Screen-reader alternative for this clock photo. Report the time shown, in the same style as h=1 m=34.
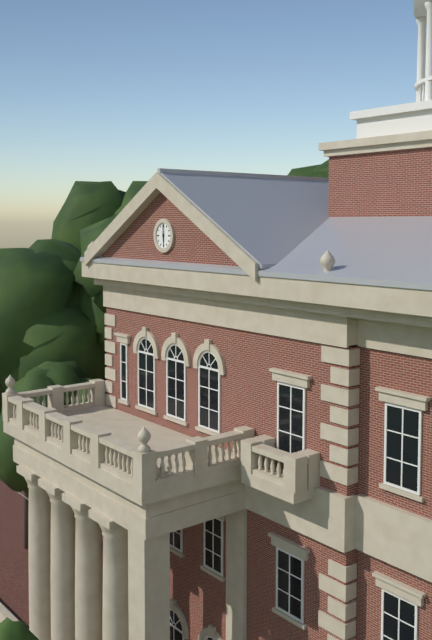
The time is h=6 m=0
